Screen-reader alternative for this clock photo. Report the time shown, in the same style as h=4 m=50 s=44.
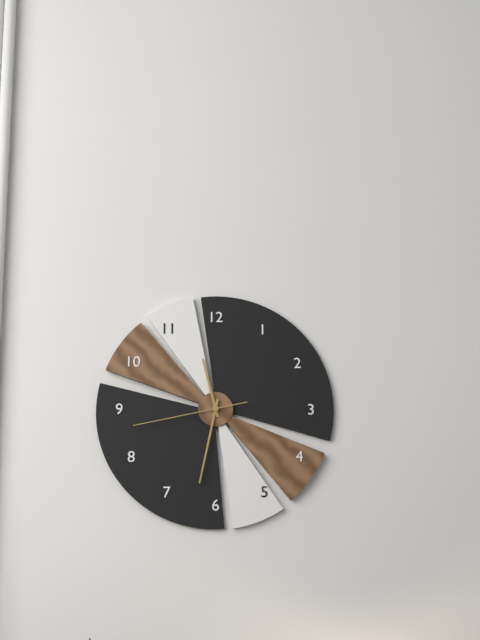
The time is h=11 m=32 s=43
